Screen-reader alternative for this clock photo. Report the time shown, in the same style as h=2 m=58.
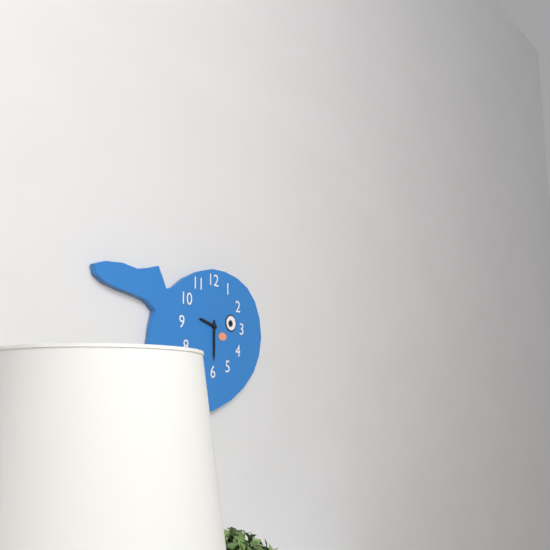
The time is h=9 m=30
